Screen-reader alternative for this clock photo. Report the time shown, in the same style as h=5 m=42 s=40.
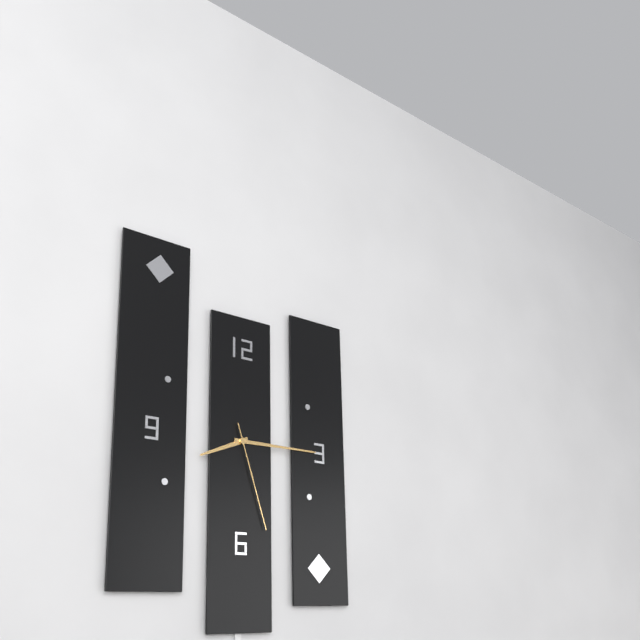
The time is h=8 m=15 s=27
